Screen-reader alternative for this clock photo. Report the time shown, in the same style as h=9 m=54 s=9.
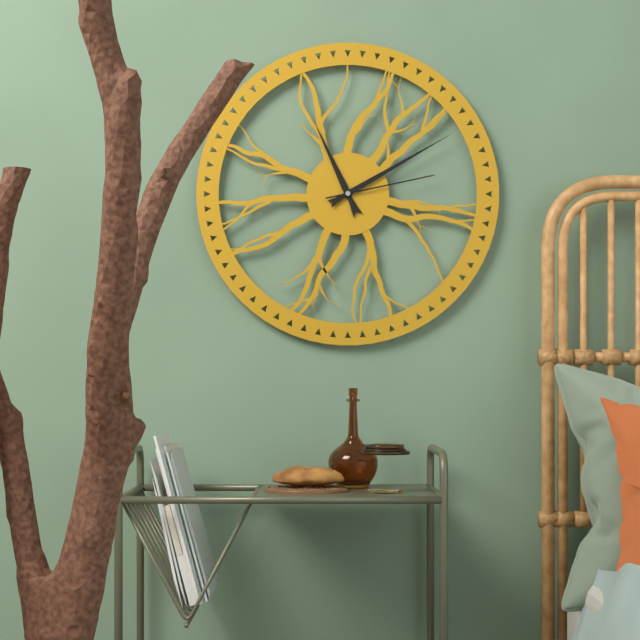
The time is h=11 m=10 s=13
